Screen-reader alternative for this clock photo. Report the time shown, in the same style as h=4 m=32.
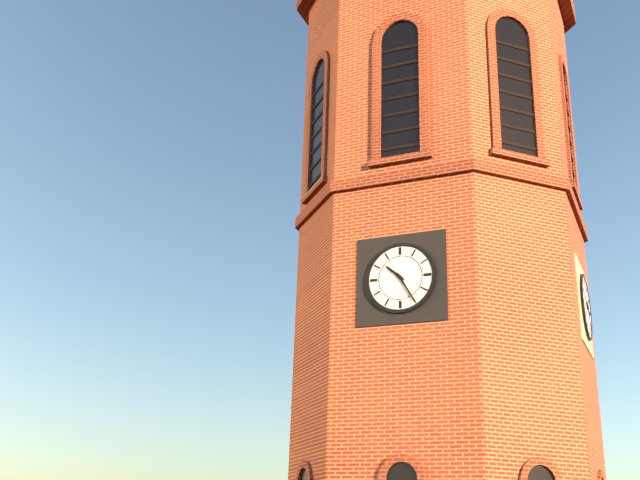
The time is h=10 m=25
